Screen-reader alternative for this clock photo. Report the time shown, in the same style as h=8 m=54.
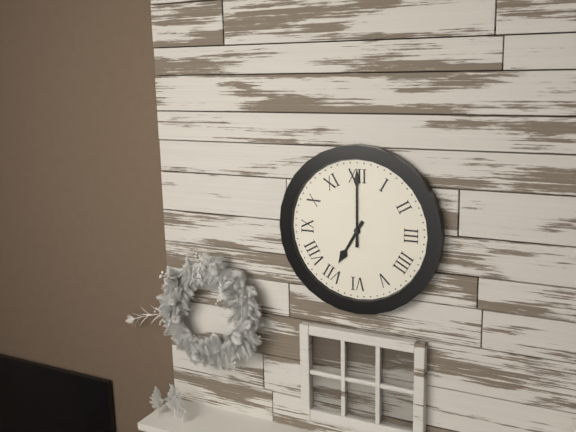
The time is h=7 m=0
